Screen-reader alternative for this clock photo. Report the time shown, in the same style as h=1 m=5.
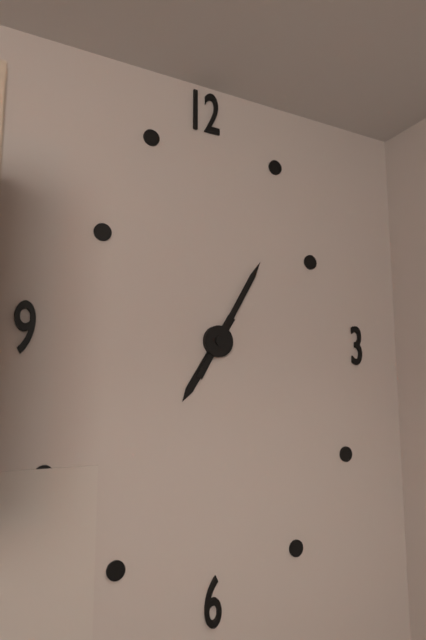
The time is h=7 m=5
